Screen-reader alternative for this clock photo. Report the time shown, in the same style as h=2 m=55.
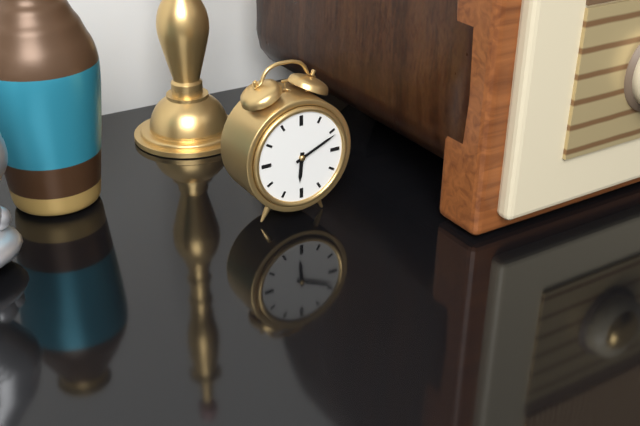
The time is h=6 m=11
